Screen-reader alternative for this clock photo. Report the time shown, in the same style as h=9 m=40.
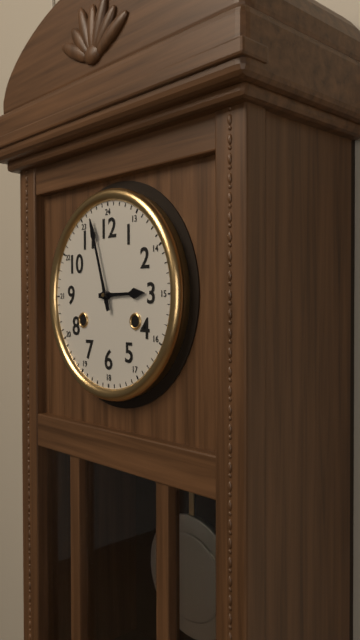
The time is h=2 m=57
